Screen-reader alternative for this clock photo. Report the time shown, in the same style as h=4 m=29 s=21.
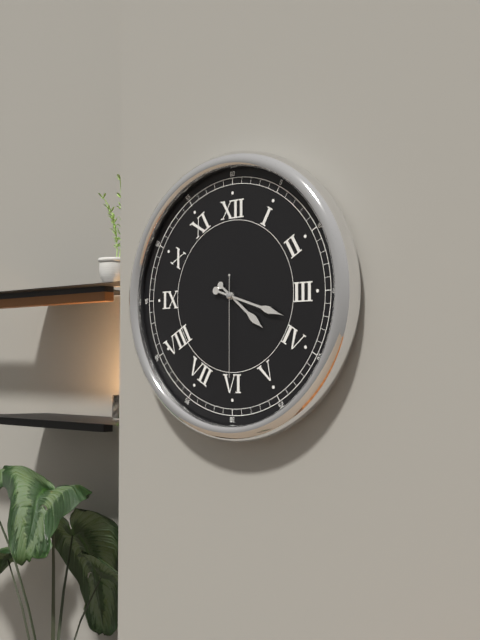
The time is h=4 m=18 s=30
